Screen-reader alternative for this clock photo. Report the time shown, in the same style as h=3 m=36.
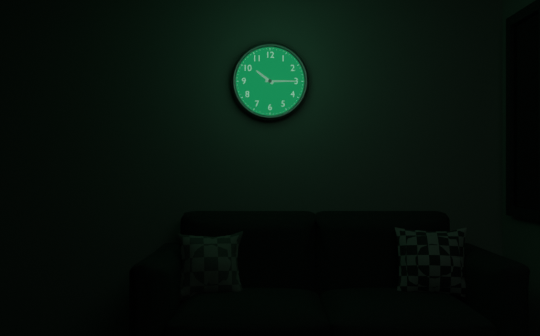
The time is h=10 m=15
